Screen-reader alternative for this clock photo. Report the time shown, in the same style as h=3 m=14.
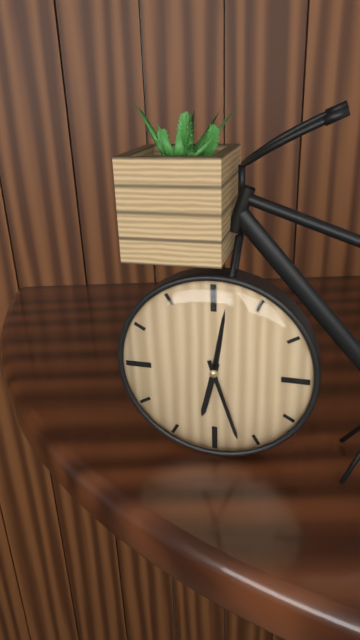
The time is h=6 m=27
